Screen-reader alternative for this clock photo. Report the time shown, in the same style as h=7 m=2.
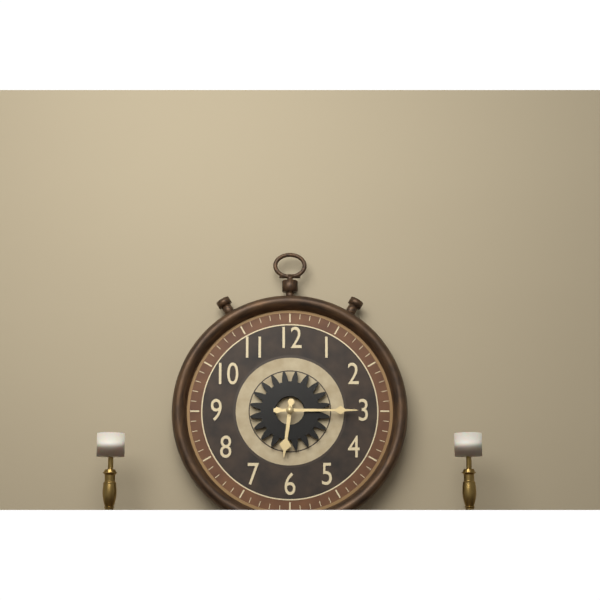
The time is h=6 m=15
